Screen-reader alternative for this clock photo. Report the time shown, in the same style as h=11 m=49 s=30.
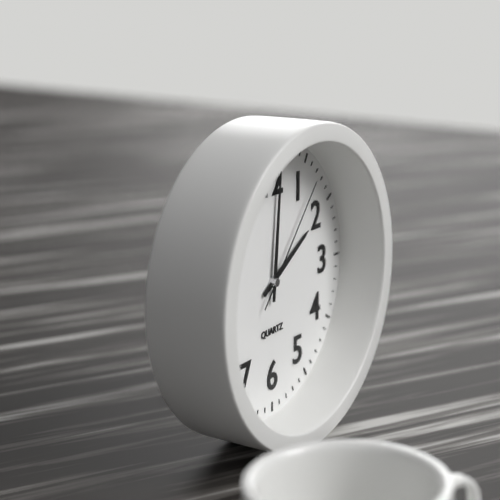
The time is h=2 m=1 s=7
